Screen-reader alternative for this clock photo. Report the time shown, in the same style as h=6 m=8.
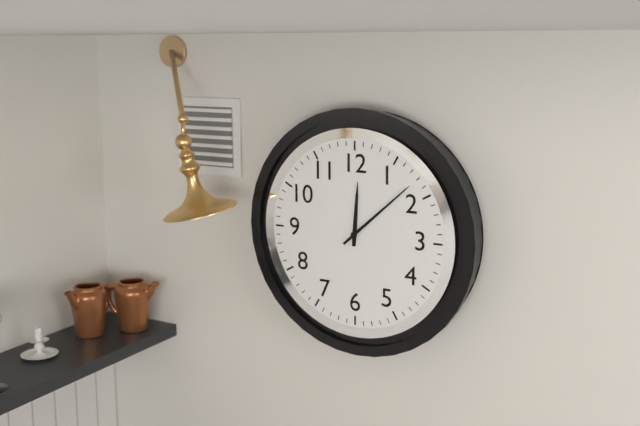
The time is h=12 m=8
